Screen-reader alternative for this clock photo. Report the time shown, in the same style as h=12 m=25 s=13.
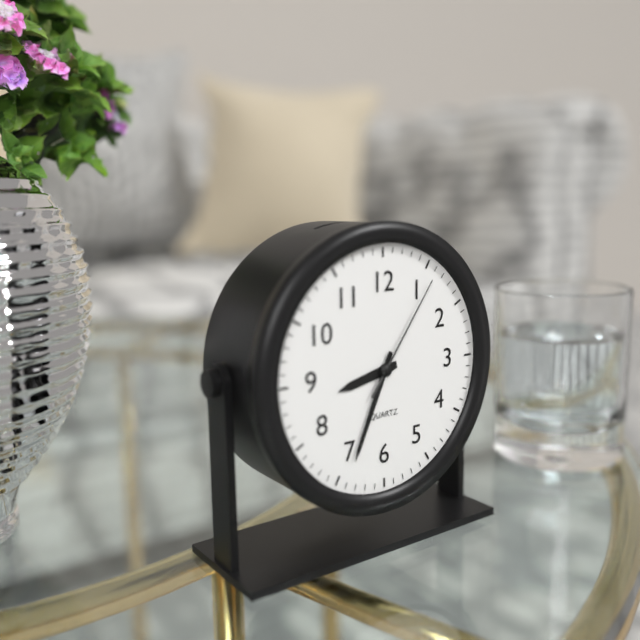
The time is h=8 m=34 s=6
